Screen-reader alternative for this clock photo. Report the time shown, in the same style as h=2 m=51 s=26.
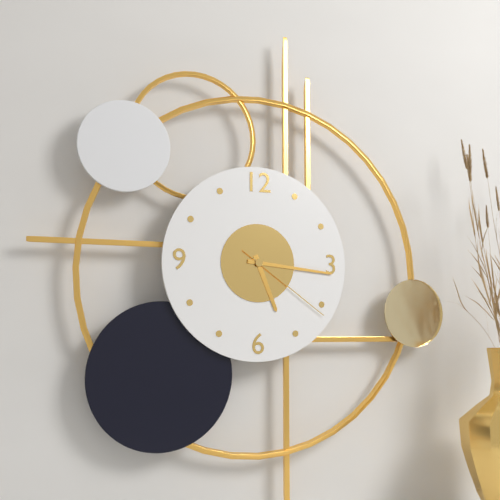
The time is h=5 m=16 s=21
